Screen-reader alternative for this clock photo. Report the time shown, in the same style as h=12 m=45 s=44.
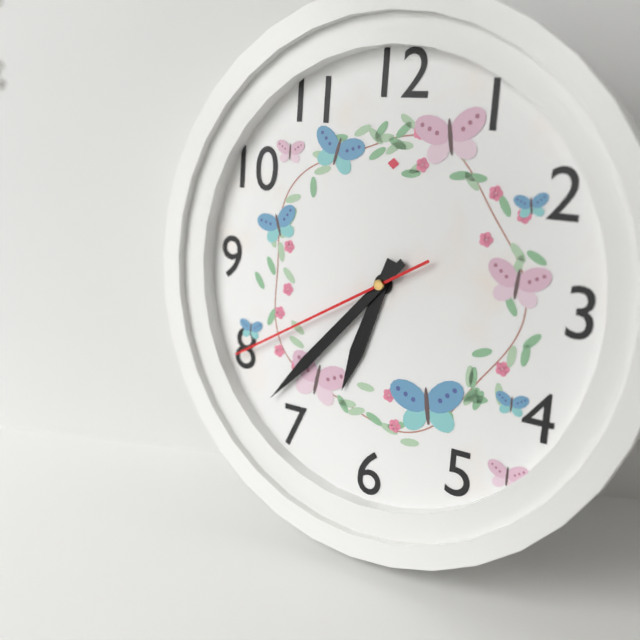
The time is h=6 m=37 s=40
